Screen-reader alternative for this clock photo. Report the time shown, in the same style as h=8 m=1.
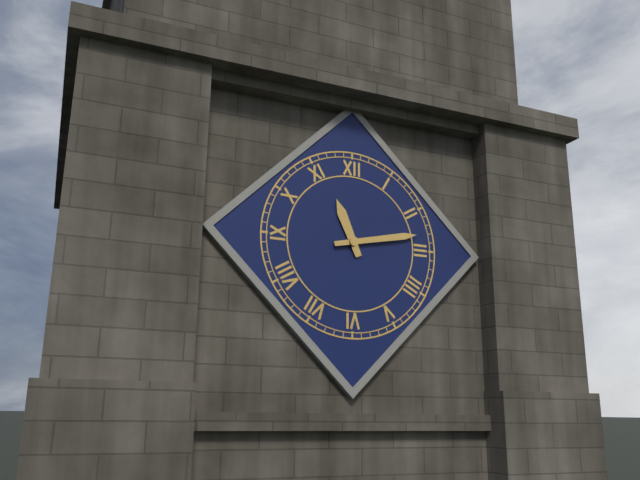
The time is h=11 m=13
